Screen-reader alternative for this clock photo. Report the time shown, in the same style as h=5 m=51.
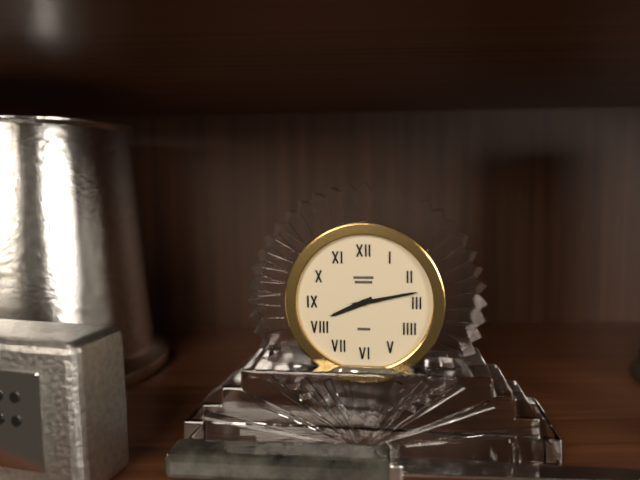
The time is h=8 m=13
